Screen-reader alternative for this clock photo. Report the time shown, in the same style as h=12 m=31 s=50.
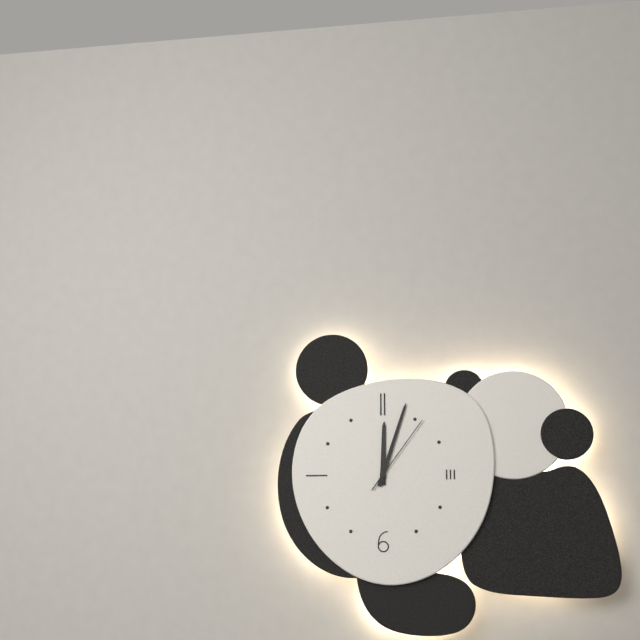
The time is h=12 m=3 s=6
